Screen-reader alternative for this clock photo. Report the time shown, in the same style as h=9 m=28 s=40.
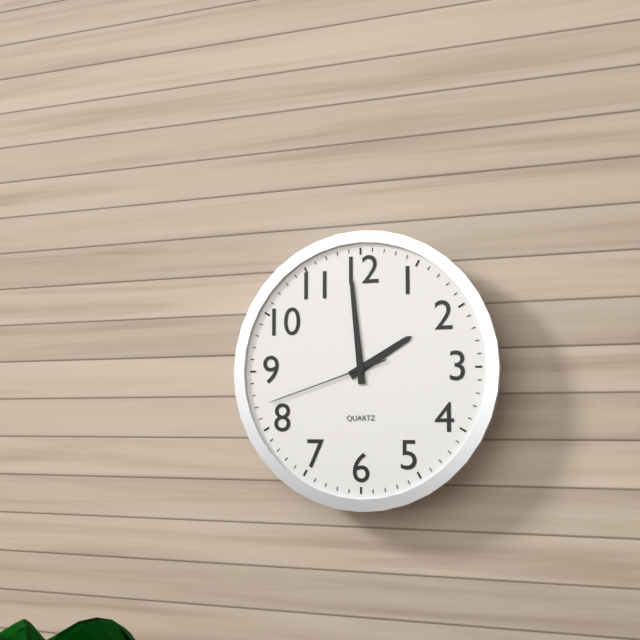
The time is h=1 m=59 s=42
